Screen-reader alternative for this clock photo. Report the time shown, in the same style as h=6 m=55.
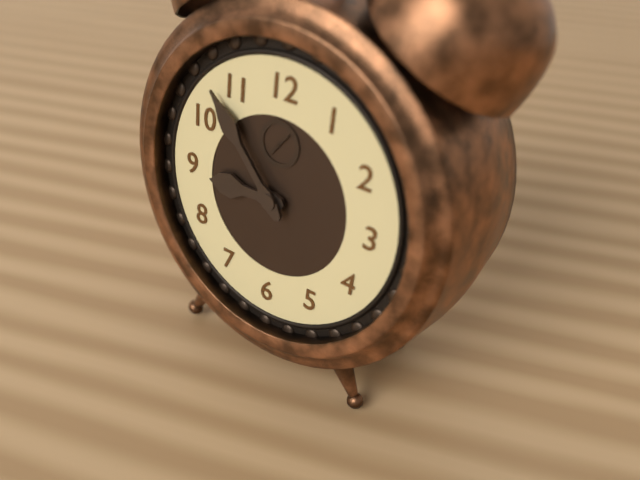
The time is h=8 m=53
